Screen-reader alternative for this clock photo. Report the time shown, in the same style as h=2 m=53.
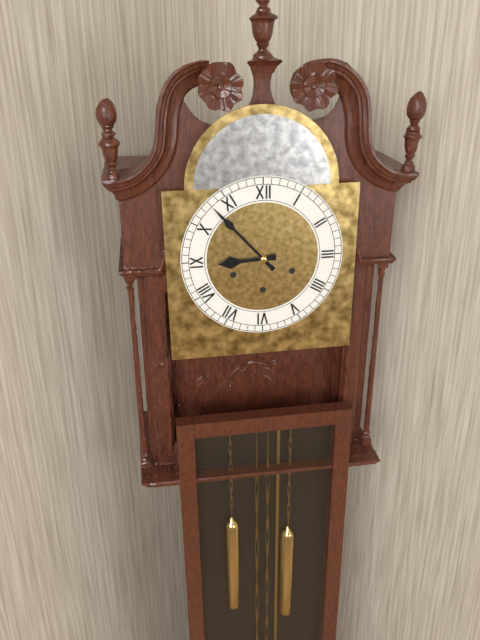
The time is h=8 m=53
